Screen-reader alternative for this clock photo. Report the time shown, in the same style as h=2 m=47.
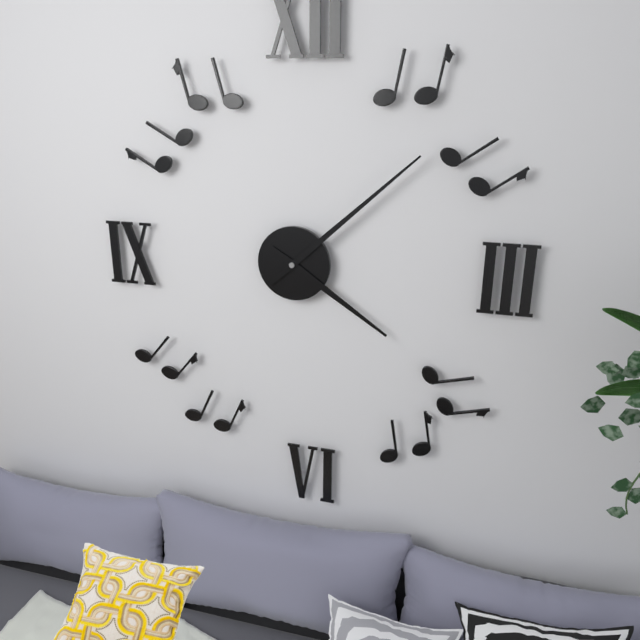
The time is h=4 m=8
